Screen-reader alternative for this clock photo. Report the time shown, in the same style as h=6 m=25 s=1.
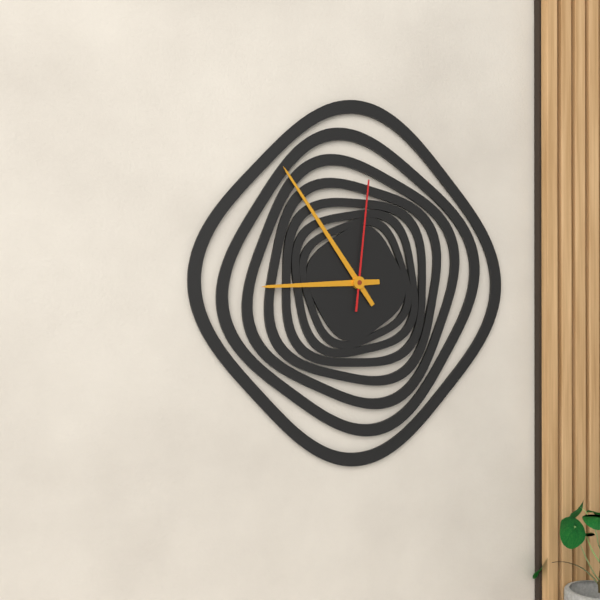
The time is h=8 m=54 s=1
